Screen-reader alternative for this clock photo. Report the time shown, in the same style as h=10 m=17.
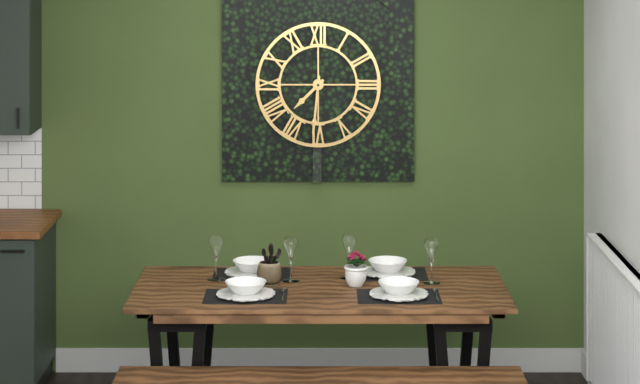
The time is h=7 m=31
